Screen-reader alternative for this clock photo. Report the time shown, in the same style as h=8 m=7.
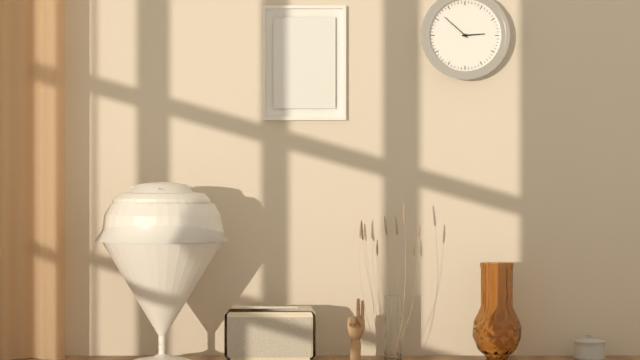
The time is h=2 m=52
